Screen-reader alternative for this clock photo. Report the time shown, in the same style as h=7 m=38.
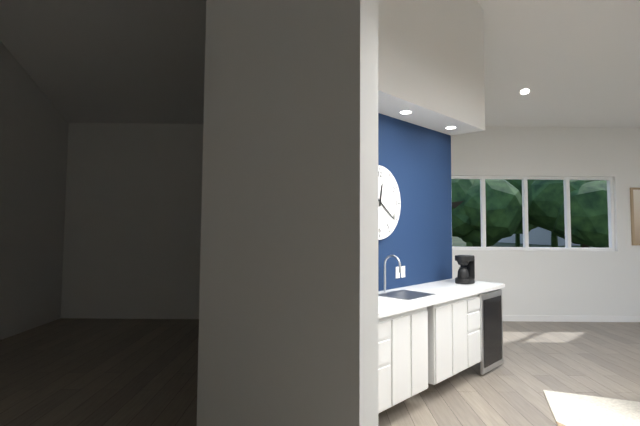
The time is h=12 m=21
